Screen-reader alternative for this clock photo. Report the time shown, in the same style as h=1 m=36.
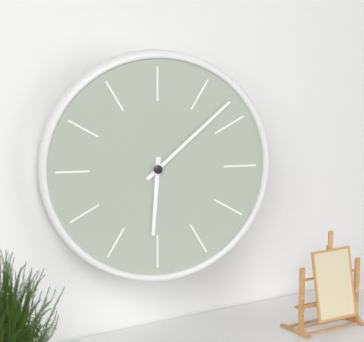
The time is h=6 m=8
